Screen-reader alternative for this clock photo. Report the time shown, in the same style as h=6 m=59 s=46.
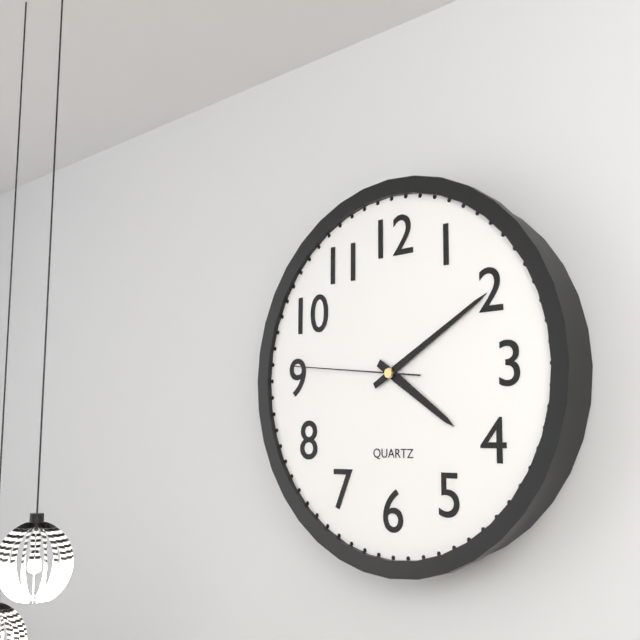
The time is h=4 m=10 s=46
